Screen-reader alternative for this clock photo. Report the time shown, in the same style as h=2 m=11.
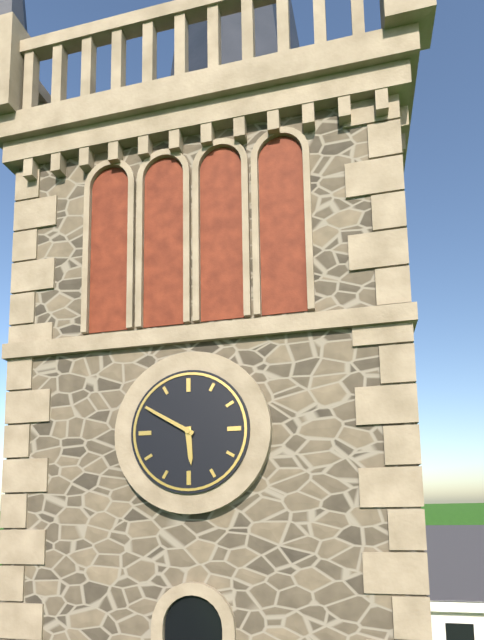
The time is h=5 m=50
